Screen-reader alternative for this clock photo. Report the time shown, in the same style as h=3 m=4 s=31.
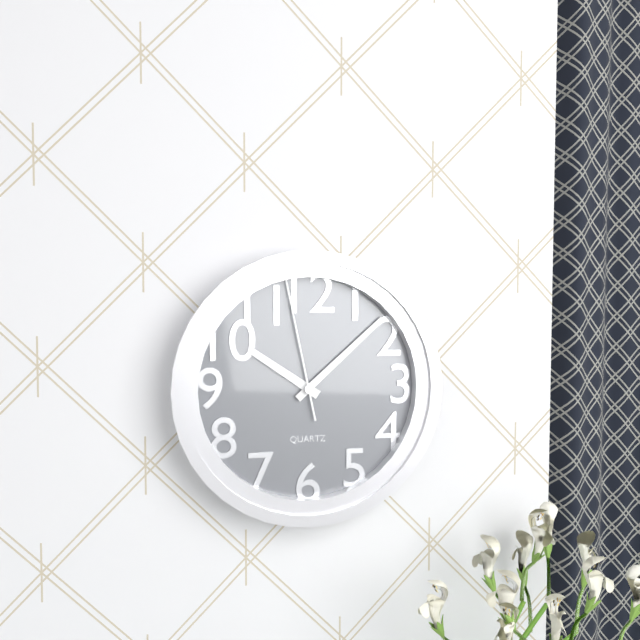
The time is h=10 m=8 s=58
